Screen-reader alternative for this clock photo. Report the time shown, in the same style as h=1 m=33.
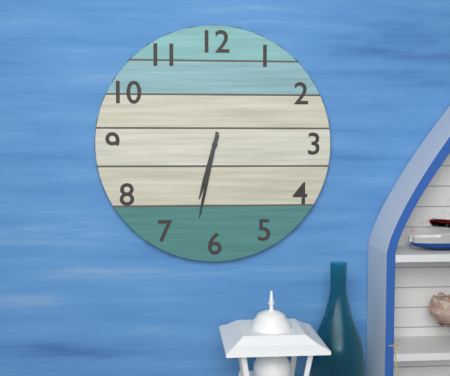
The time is h=6 m=32
